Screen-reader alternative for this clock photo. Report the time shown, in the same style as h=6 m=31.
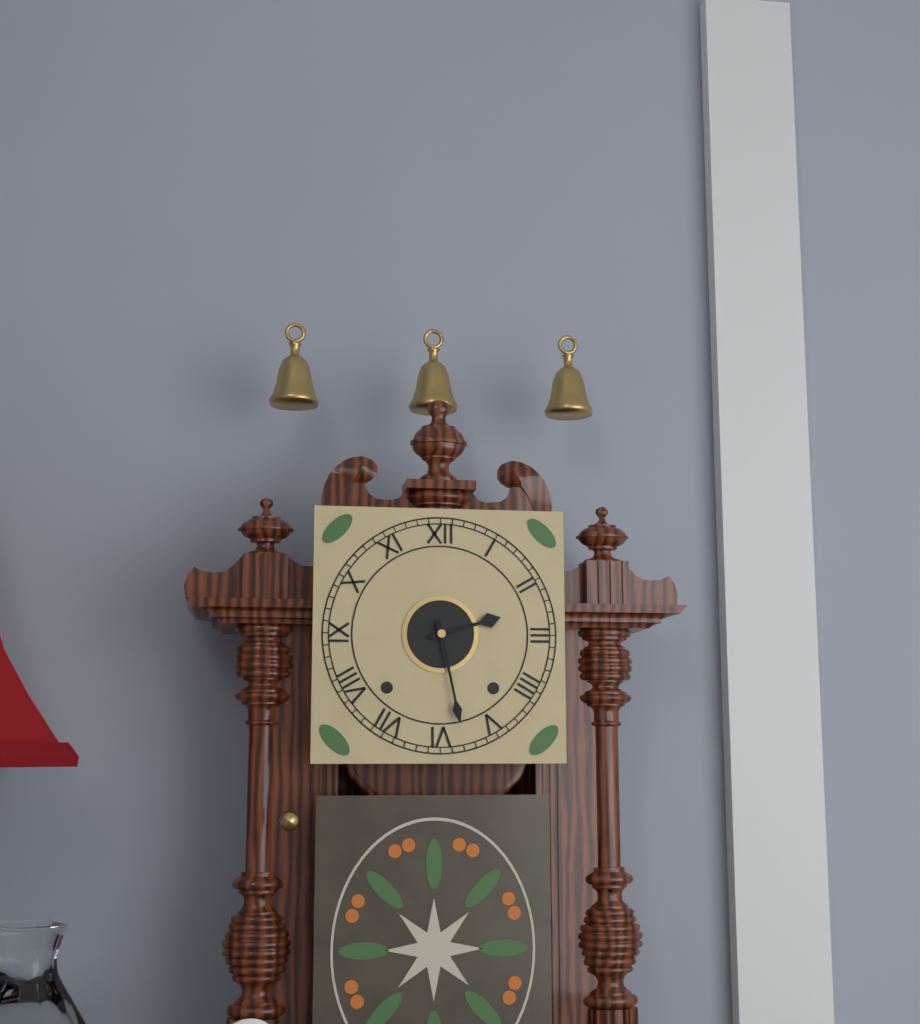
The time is h=2 m=28
